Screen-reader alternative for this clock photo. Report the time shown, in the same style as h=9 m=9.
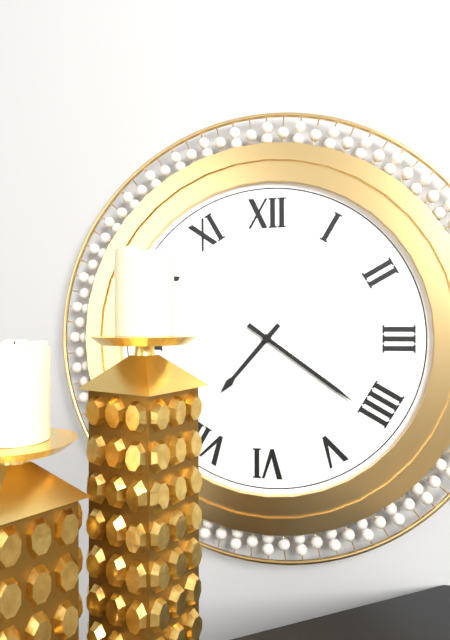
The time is h=7 m=21
